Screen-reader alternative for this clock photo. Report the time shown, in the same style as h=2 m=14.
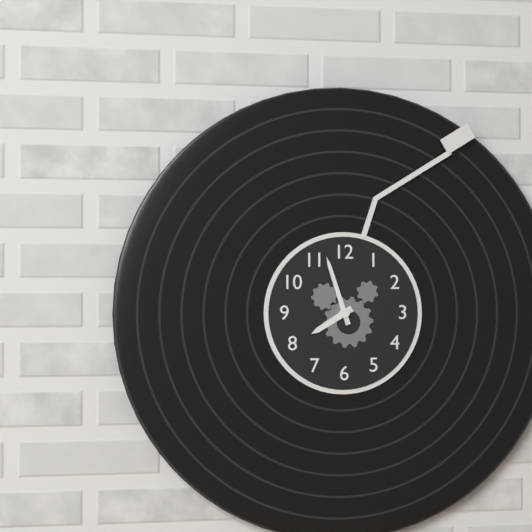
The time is h=7 m=57
